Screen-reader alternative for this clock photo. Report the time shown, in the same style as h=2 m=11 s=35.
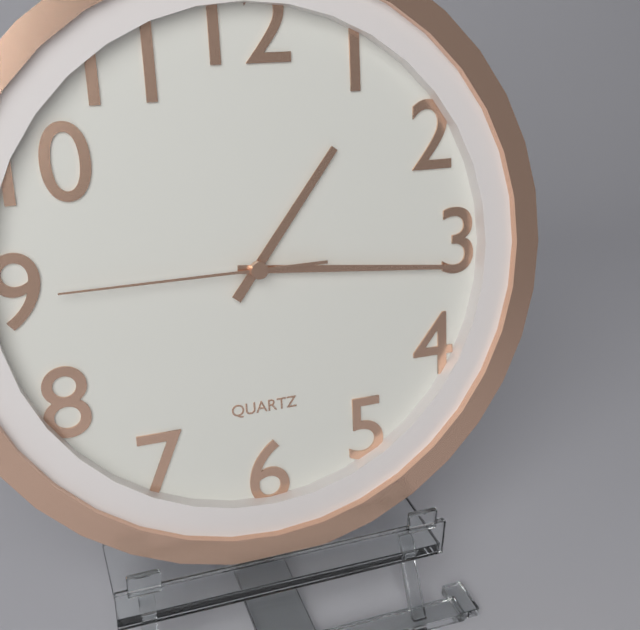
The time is h=1 m=16 s=45
